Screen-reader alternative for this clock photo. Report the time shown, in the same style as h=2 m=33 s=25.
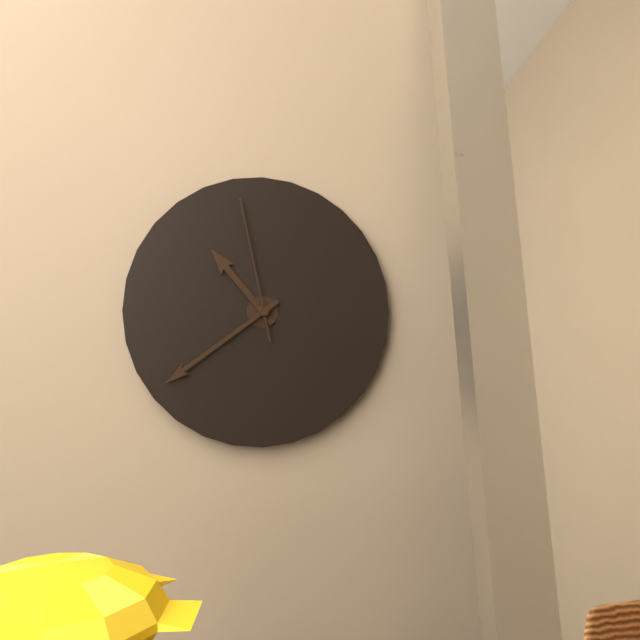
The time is h=10 m=39 s=58
